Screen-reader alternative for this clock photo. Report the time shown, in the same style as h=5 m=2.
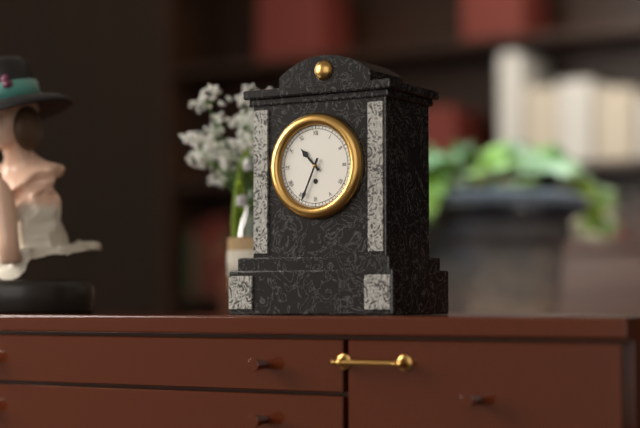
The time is h=10 m=34
